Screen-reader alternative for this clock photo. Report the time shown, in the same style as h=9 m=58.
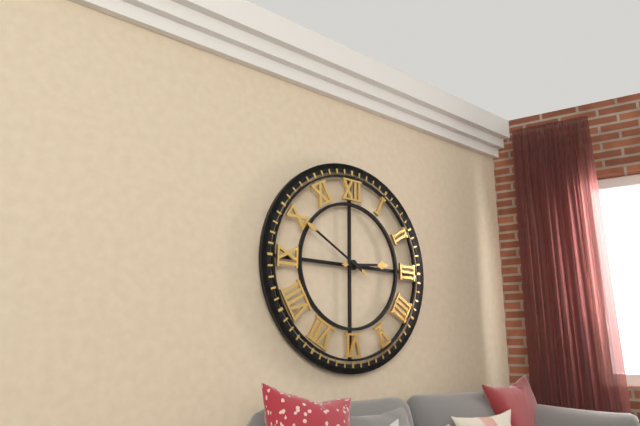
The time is h=2 m=50
